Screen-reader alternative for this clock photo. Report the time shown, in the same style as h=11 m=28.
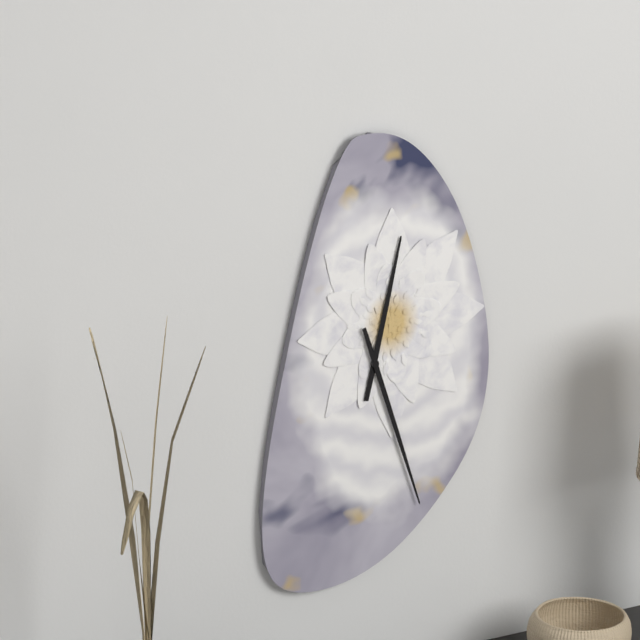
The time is h=12 m=27
